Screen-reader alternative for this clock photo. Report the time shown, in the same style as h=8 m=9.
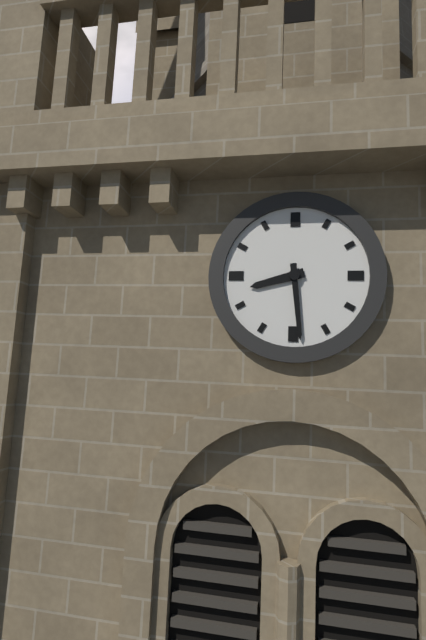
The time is h=8 m=29
